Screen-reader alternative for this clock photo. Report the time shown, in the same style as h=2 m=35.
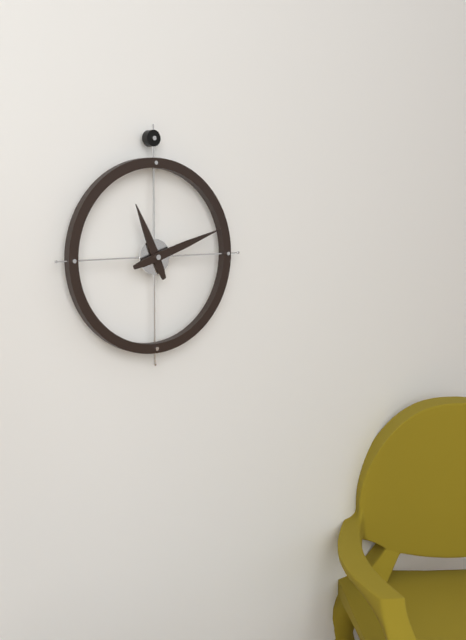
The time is h=11 m=12
